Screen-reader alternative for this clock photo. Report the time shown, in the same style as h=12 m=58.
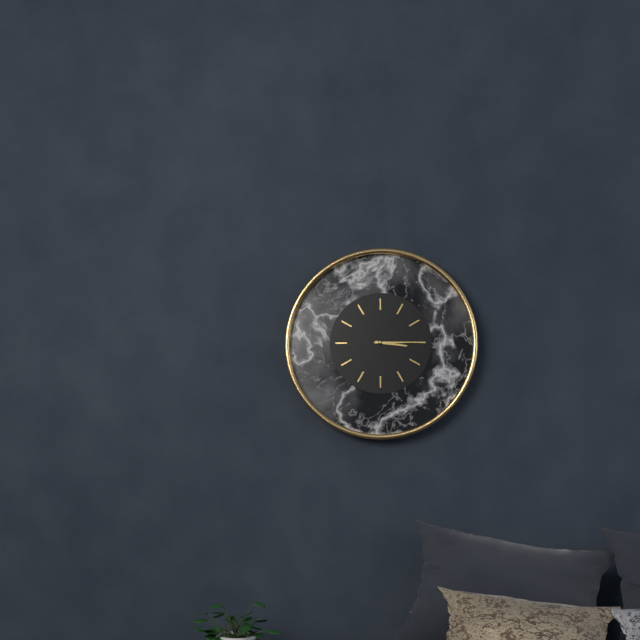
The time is h=3 m=15
